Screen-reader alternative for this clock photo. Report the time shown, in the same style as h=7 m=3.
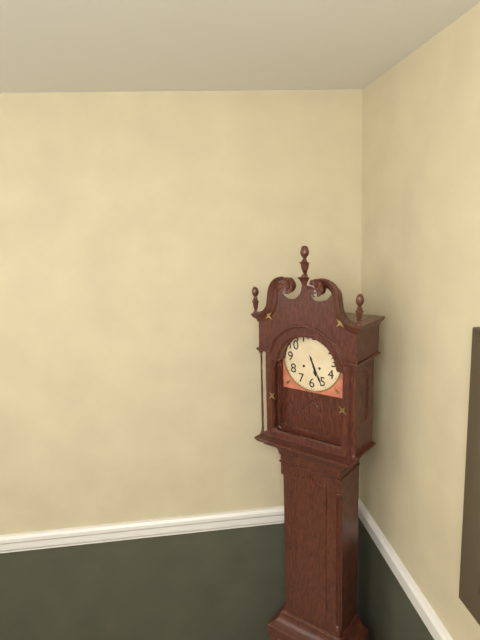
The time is h=5 m=26
